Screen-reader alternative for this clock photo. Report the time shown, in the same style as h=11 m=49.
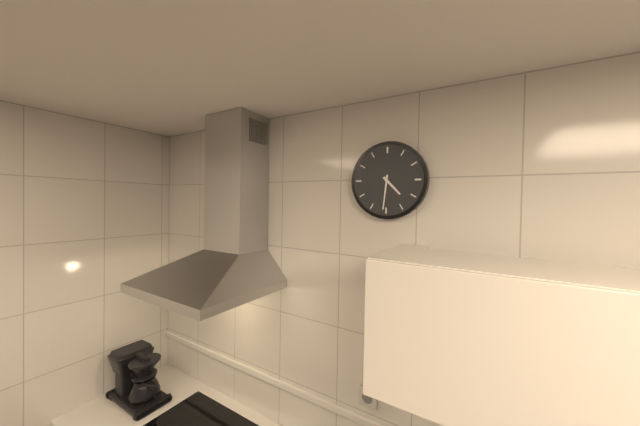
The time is h=4 m=31
